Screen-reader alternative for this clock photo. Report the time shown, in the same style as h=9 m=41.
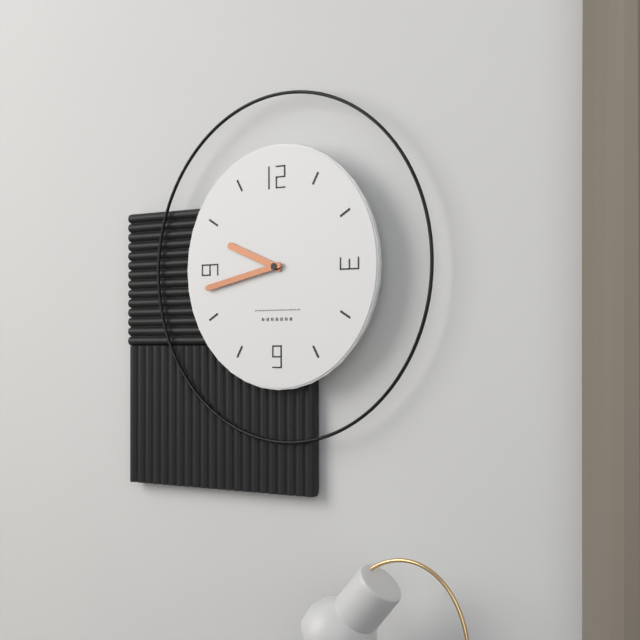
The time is h=9 m=43
